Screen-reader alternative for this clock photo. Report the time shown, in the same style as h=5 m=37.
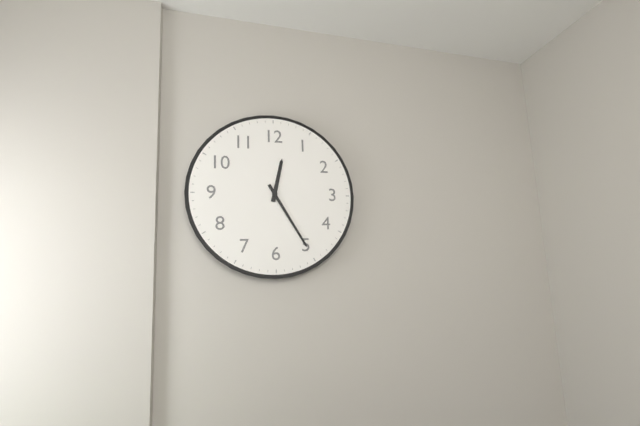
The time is h=12 m=25
